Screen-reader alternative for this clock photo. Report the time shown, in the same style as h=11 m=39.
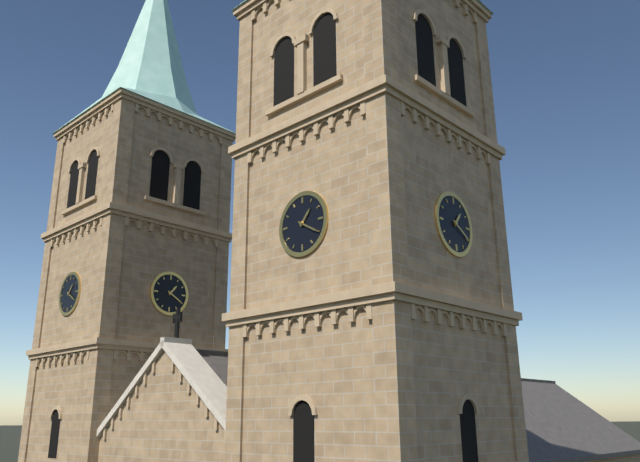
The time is h=1 m=20
